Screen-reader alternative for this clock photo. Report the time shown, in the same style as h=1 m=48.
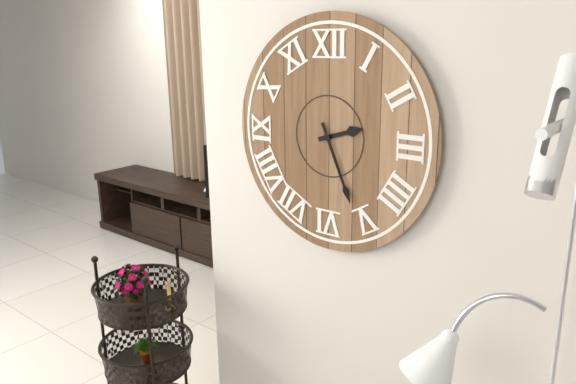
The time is h=2 m=26
